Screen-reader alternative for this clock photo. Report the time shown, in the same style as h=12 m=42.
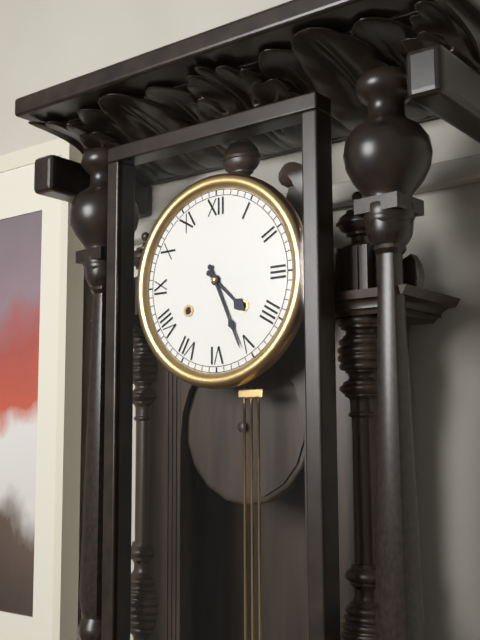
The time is h=4 m=26
